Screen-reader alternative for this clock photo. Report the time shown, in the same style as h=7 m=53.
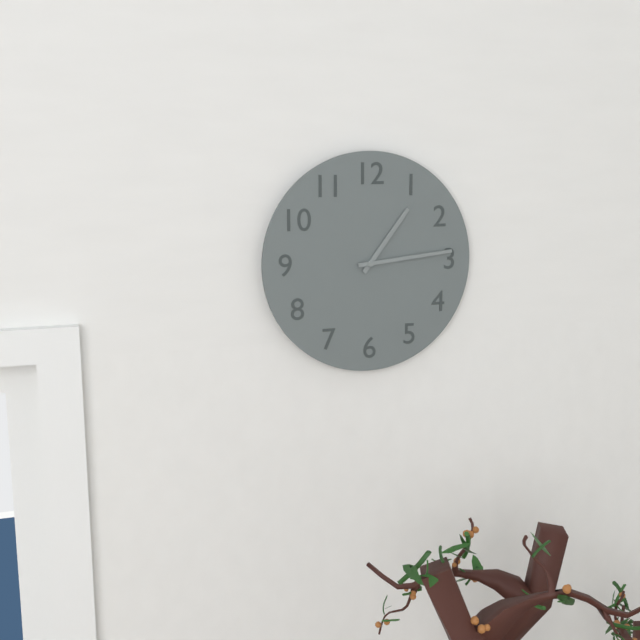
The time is h=1 m=14
